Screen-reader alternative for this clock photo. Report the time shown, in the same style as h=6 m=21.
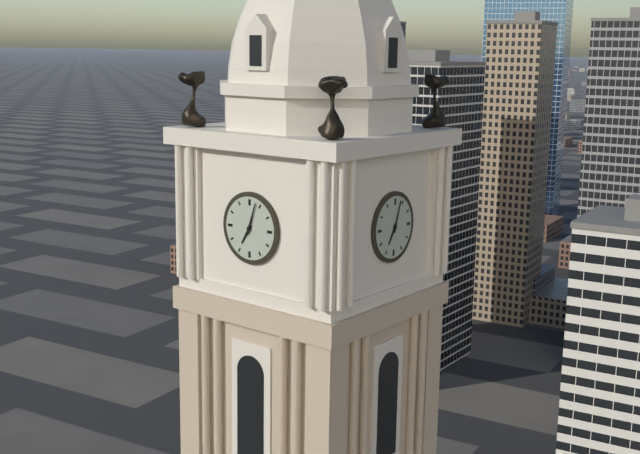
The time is h=7 m=3
